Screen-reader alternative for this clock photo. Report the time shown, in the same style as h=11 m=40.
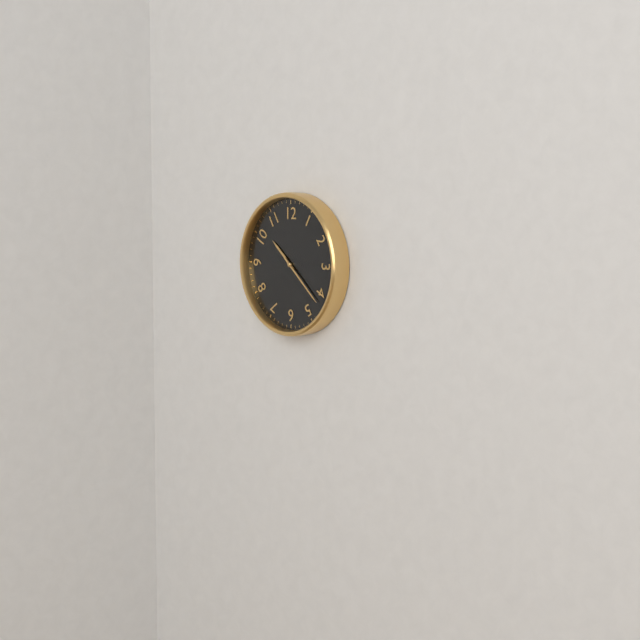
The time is h=10 m=22
